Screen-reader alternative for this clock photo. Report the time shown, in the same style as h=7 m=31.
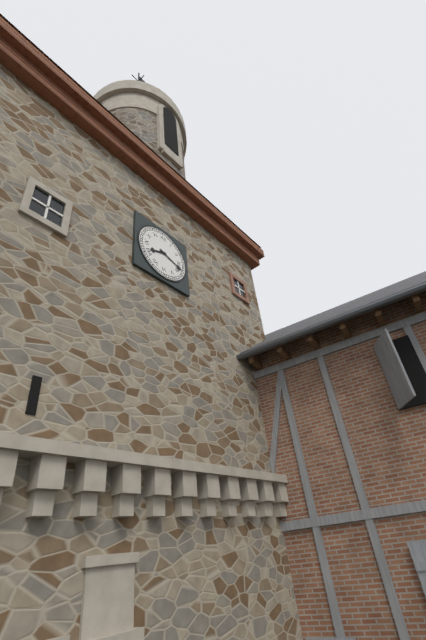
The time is h=8 m=18
